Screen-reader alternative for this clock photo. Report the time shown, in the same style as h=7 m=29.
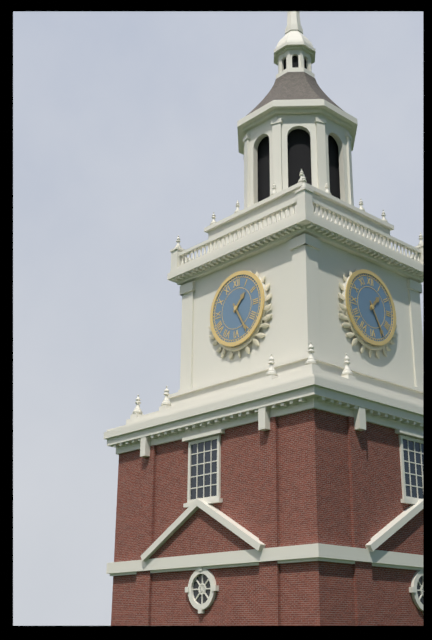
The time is h=1 m=25
